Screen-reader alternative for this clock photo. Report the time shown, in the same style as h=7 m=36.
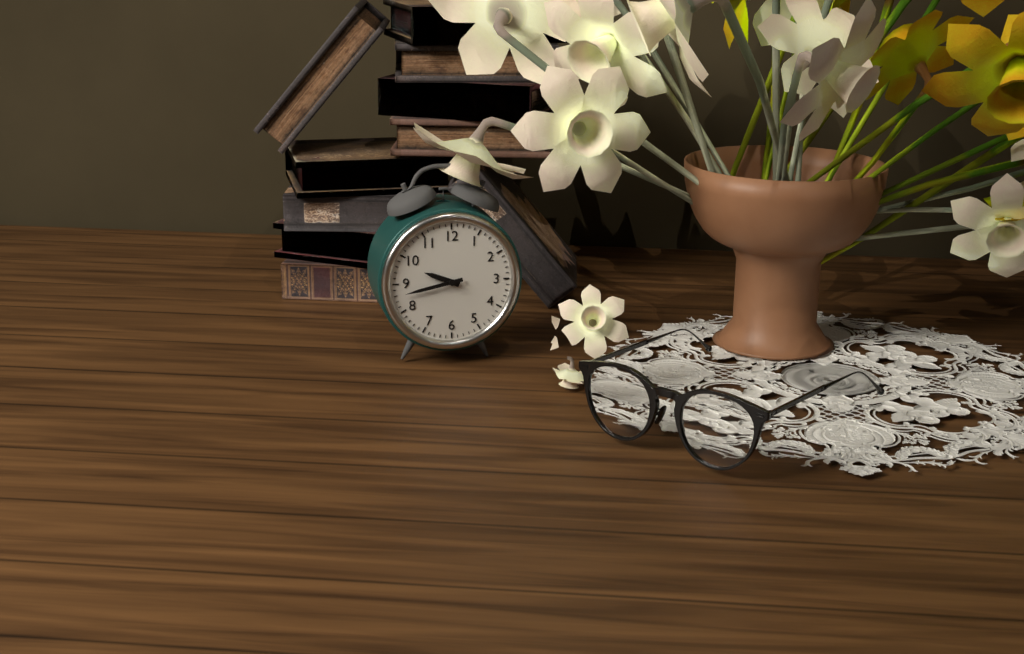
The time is h=9 m=43
